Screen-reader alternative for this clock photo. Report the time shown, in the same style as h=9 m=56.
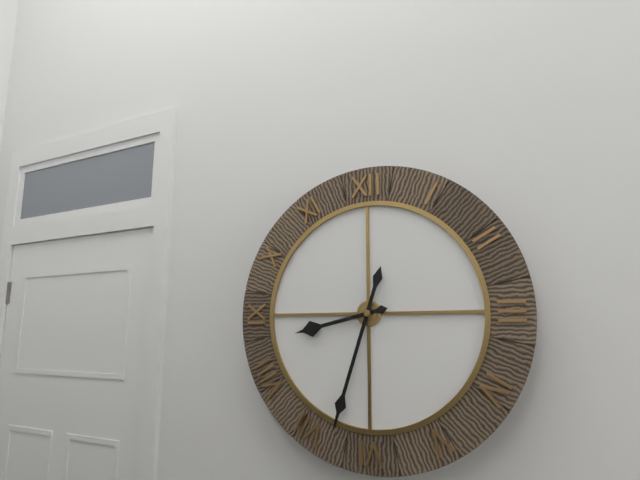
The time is h=8 m=33
